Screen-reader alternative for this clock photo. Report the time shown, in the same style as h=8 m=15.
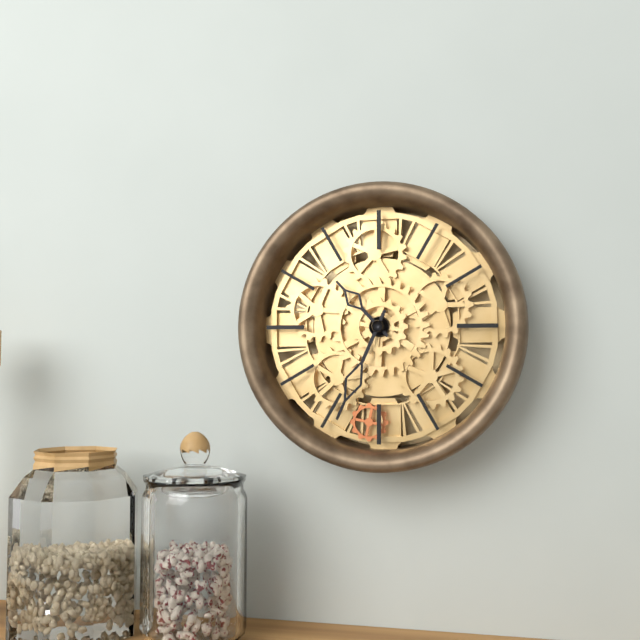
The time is h=10 m=34
